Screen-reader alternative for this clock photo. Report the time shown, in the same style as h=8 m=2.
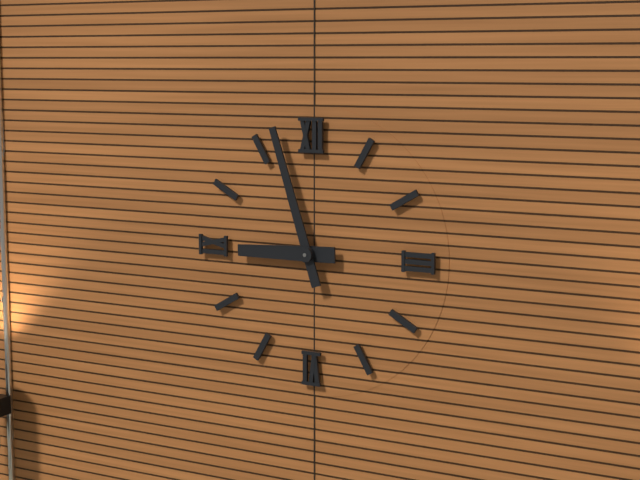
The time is h=8 m=57
